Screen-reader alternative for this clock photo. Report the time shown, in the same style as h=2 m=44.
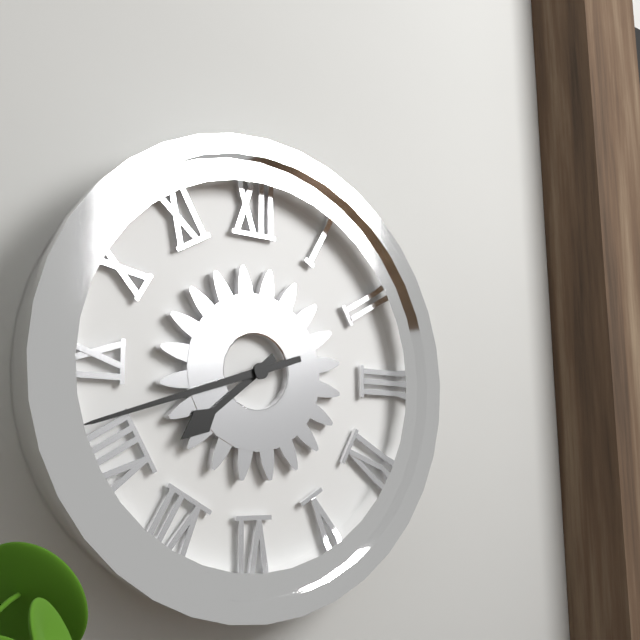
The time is h=7 m=42
